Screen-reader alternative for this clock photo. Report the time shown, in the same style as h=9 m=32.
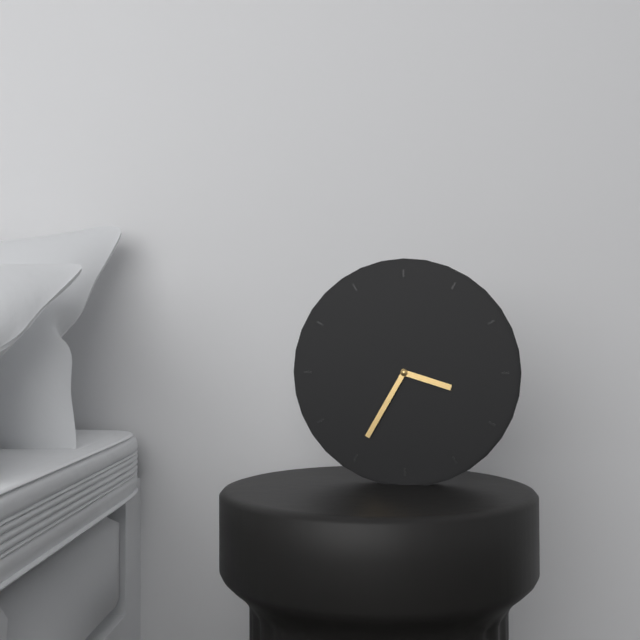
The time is h=3 m=35
